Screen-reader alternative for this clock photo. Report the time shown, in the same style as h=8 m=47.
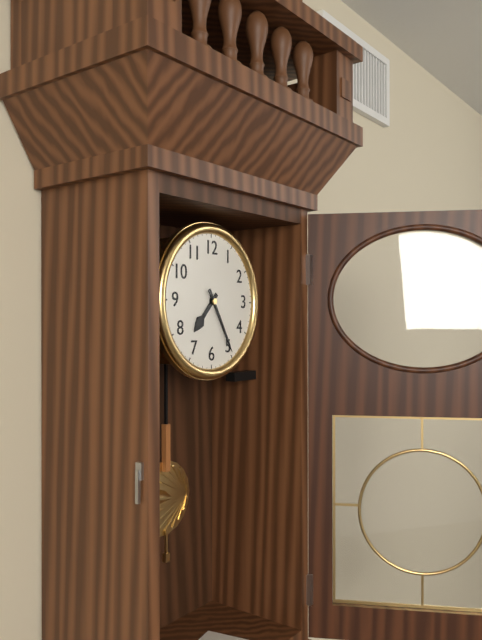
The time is h=7 m=25
